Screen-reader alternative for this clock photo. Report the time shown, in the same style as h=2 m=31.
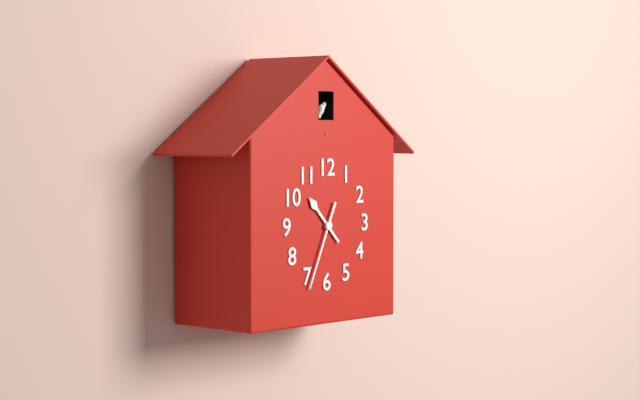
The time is h=10 m=34
